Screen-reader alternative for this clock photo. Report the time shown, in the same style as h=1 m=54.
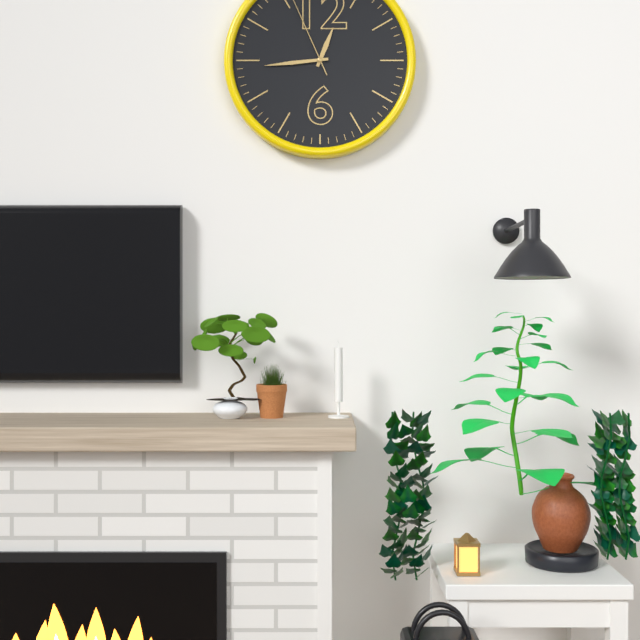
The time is h=12 m=44
